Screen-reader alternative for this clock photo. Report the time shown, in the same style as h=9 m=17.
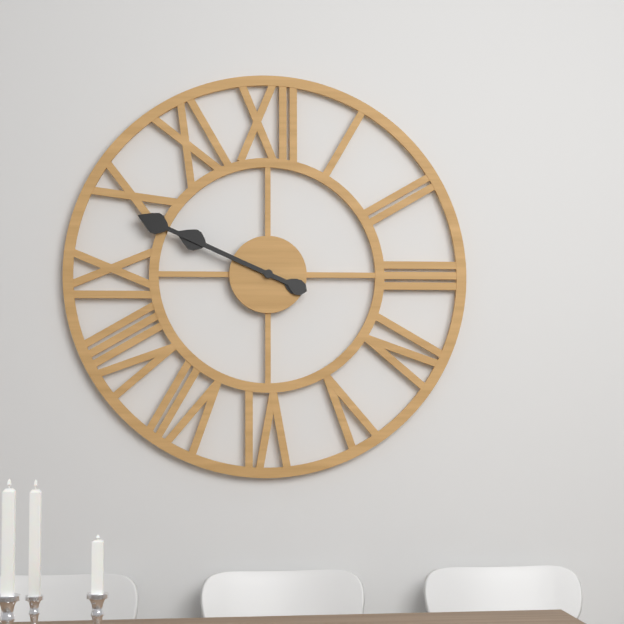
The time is h=9 m=49
